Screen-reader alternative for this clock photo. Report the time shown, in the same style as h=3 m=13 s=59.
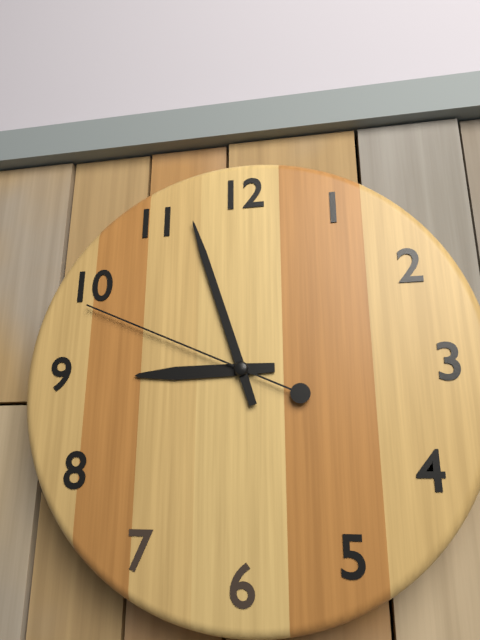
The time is h=8 m=57 s=49
